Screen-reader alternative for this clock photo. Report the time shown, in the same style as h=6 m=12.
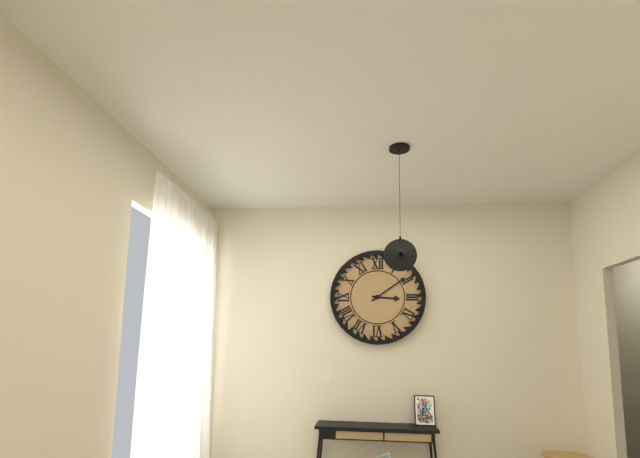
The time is h=3 m=9
